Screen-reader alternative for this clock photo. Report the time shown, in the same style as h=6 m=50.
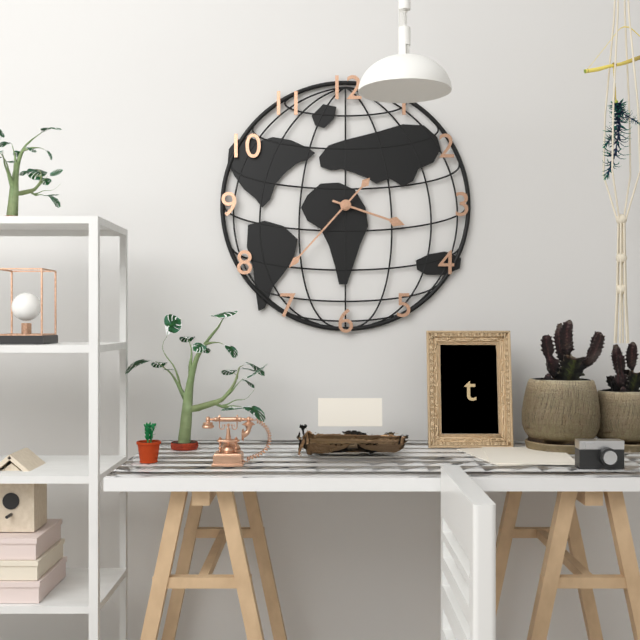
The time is h=3 m=37
